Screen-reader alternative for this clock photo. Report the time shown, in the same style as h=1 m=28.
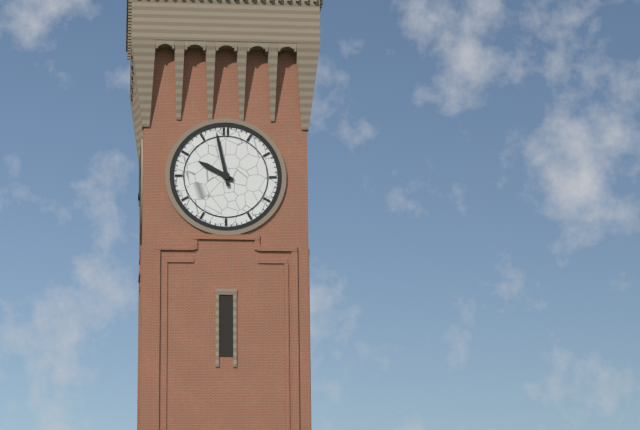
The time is h=9 m=58
